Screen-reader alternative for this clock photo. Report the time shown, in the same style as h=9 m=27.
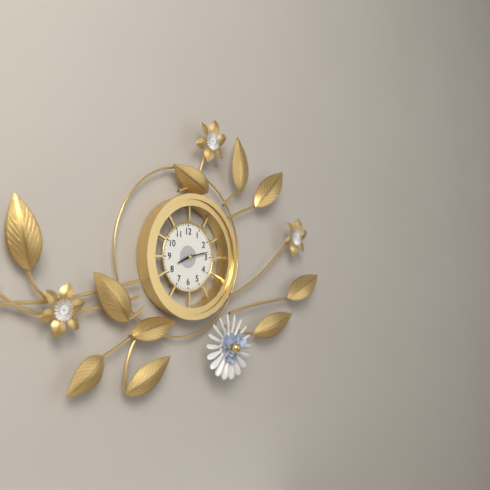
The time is h=8 m=13
